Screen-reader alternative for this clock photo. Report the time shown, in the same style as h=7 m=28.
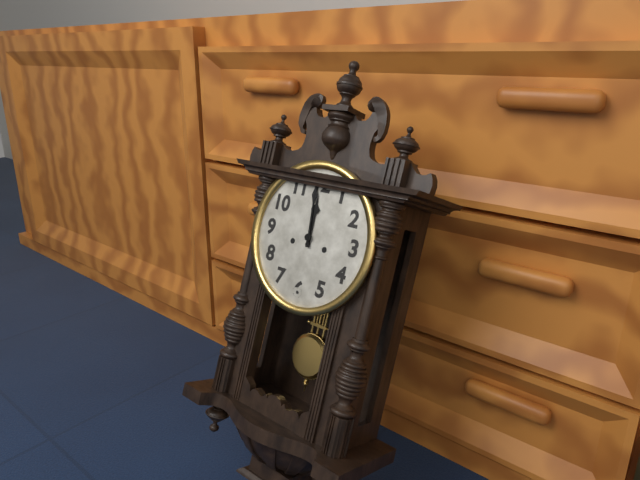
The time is h=11 m=59
